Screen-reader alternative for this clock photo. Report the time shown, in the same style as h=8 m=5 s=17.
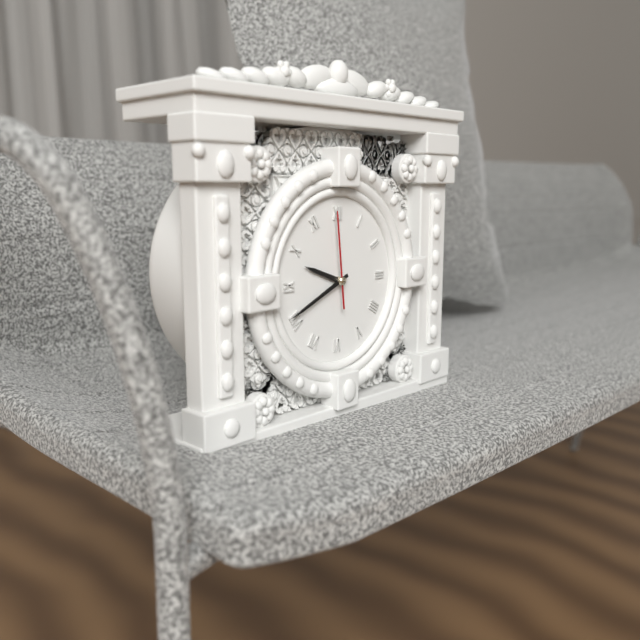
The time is h=9 m=41 s=59
